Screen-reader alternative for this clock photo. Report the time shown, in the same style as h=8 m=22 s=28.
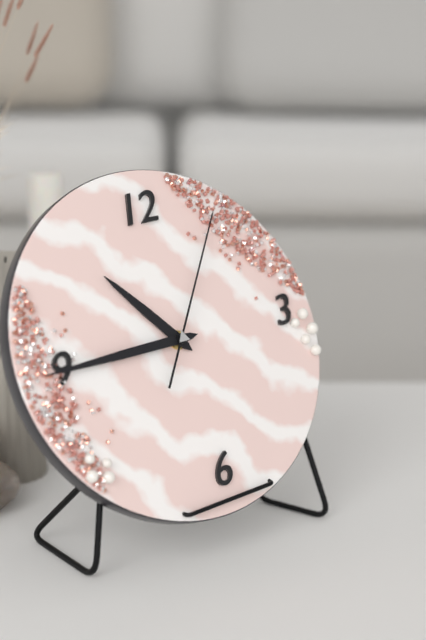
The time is h=10 m=45 s=6
